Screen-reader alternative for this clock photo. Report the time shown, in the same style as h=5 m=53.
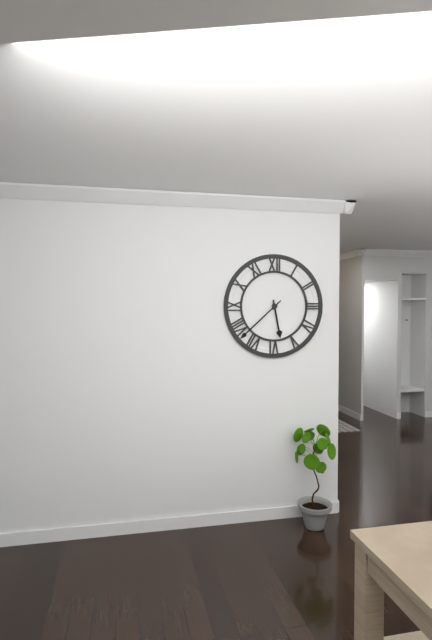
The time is h=5 m=38
